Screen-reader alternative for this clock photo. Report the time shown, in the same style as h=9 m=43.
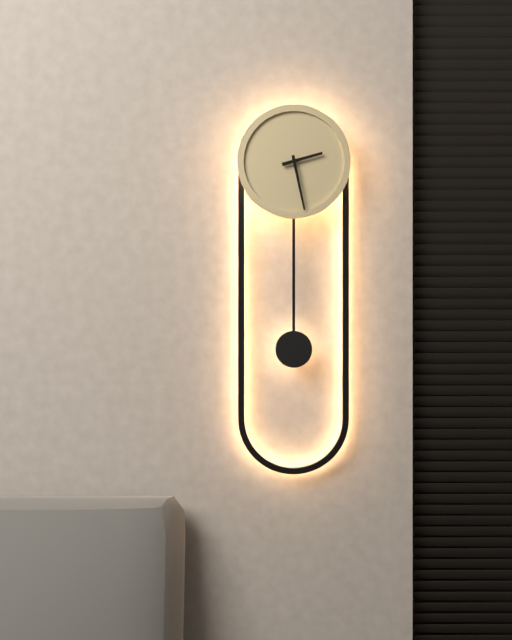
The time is h=2 m=28
